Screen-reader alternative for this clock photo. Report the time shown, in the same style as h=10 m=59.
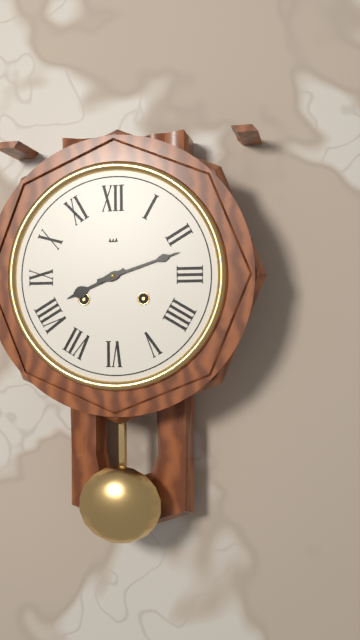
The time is h=8 m=12
